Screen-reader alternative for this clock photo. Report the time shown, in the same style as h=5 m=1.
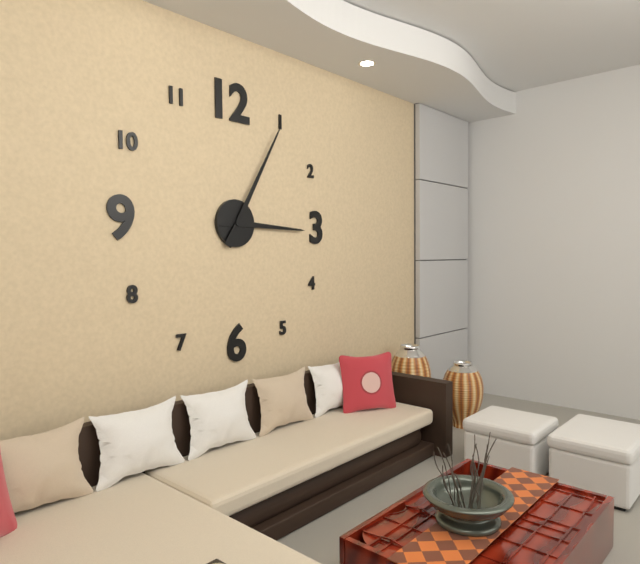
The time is h=3 m=5
